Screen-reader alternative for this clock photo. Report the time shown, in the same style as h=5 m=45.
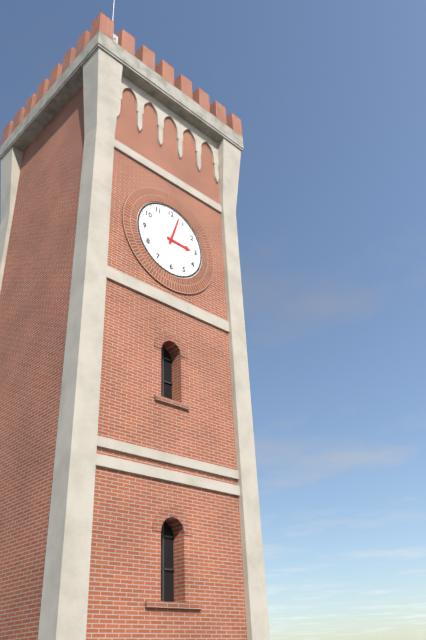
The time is h=3 m=3
